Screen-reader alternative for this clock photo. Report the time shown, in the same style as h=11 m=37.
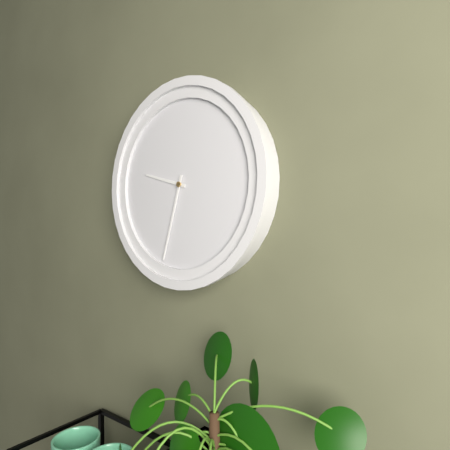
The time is h=9 m=33
